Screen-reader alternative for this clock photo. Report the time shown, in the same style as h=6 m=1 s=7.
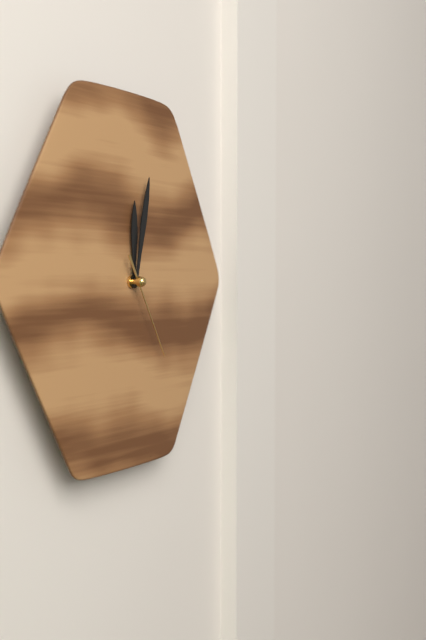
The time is h=12 m=2 s=25
